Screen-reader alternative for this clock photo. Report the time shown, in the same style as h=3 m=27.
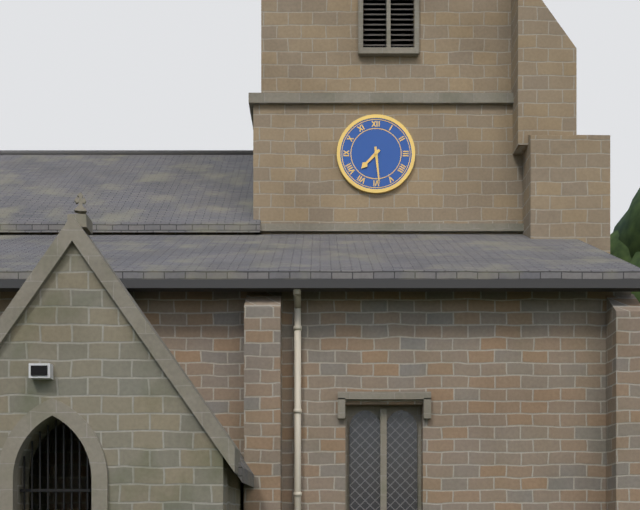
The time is h=7 m=29
